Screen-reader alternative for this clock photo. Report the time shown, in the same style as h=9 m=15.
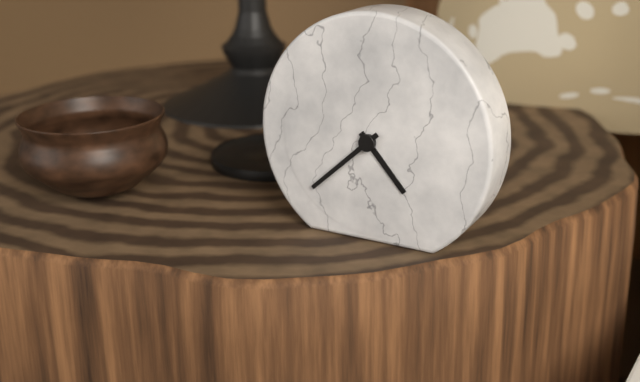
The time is h=4 m=38
